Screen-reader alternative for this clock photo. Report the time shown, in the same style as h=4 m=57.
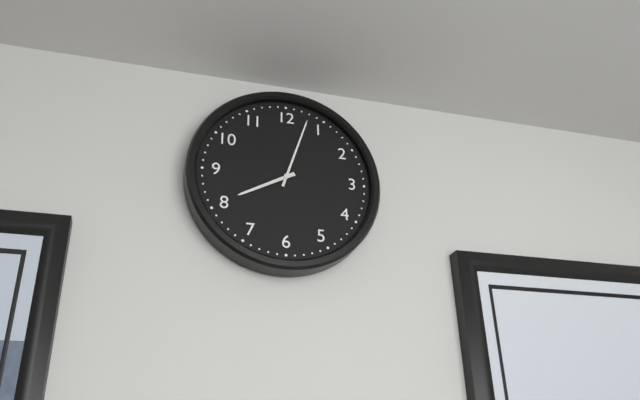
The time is h=8 m=3
